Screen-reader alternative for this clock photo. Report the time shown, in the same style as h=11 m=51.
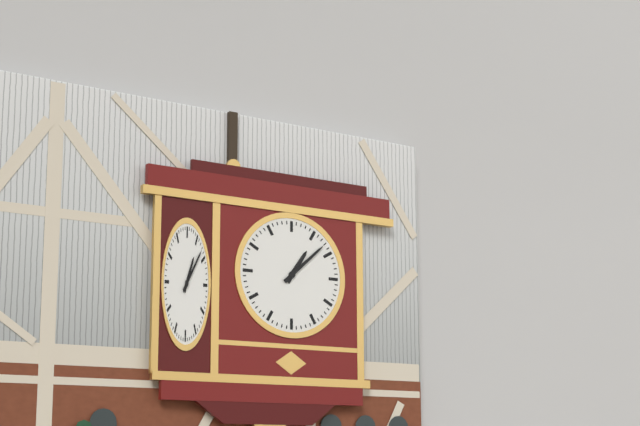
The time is h=1 m=8
